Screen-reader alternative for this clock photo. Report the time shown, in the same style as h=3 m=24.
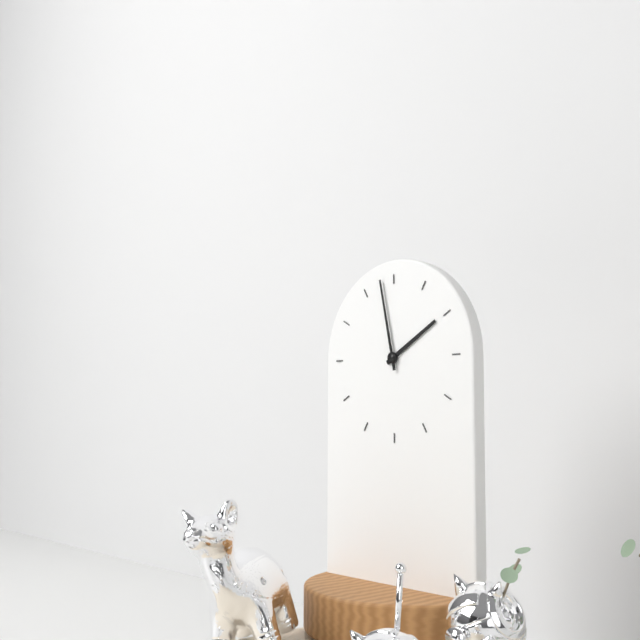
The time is h=1 m=58
